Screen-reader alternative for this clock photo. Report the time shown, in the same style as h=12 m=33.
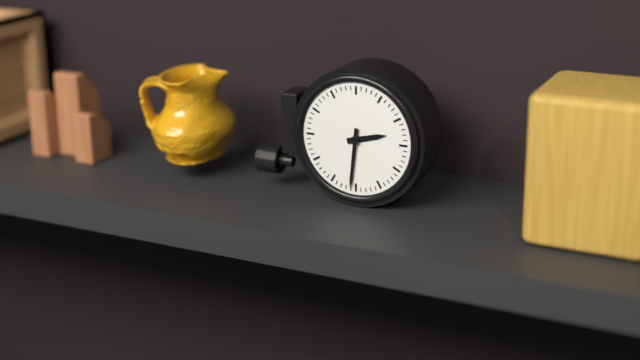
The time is h=2 m=31
